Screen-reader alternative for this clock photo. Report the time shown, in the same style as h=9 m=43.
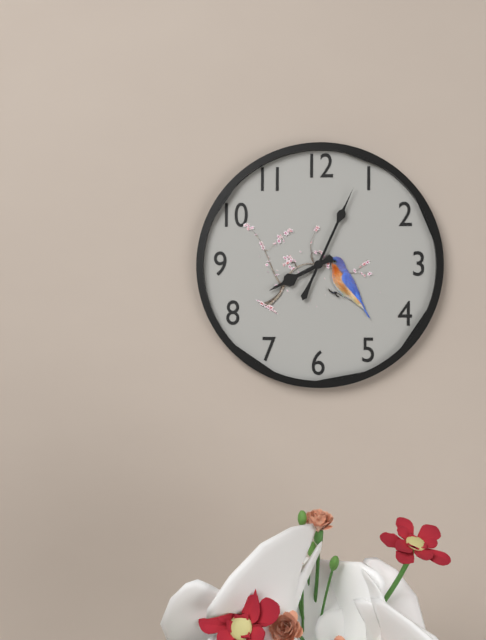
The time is h=8 m=4
